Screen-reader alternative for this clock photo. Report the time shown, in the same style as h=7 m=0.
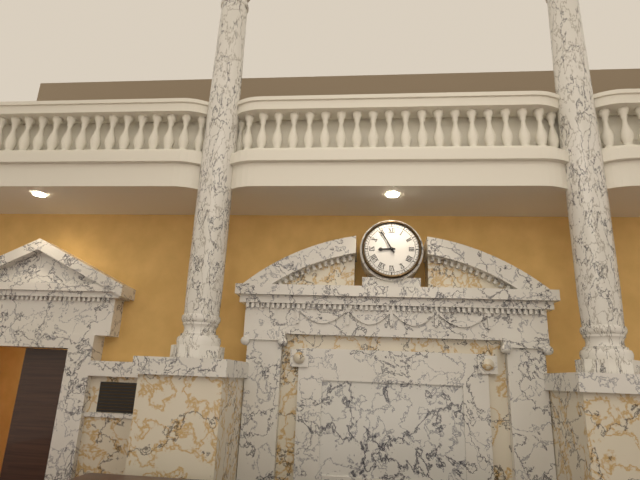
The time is h=8 m=55
